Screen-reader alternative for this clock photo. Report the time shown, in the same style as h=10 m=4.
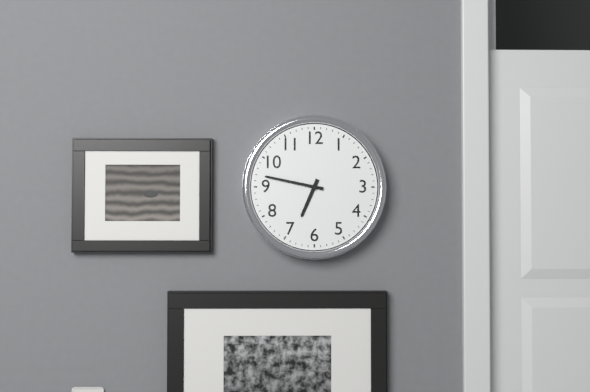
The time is h=6 m=47
